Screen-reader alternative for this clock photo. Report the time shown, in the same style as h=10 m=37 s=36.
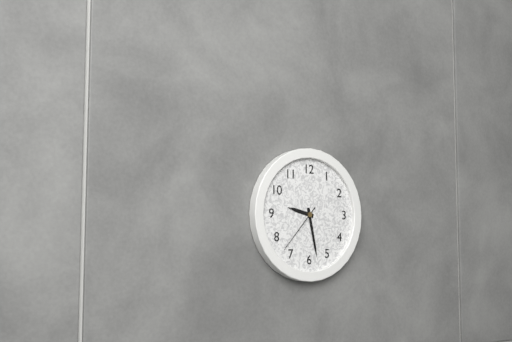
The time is h=9 m=28 s=37
